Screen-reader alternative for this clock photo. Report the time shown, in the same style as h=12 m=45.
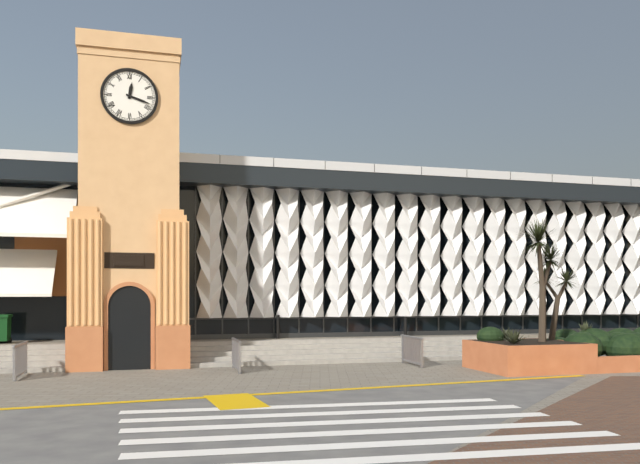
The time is h=12 m=18
